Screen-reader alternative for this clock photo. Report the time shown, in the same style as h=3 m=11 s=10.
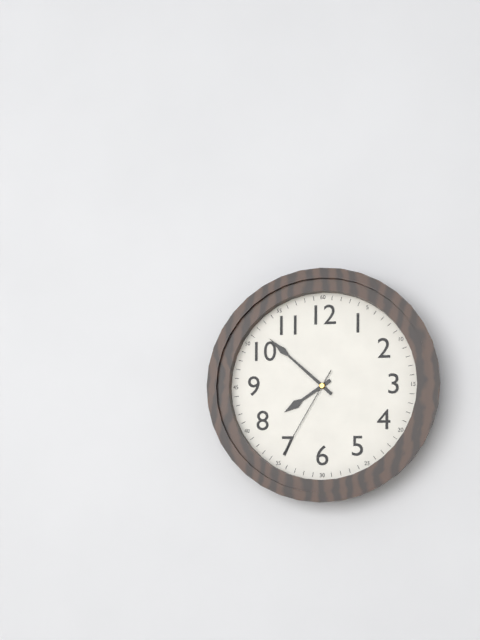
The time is h=7 m=52 s=35
